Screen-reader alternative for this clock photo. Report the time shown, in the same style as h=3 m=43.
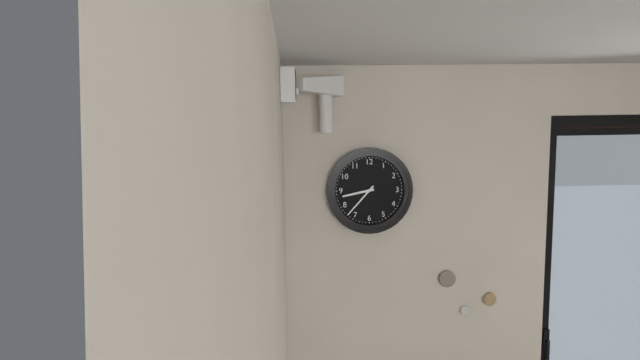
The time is h=8 m=37
